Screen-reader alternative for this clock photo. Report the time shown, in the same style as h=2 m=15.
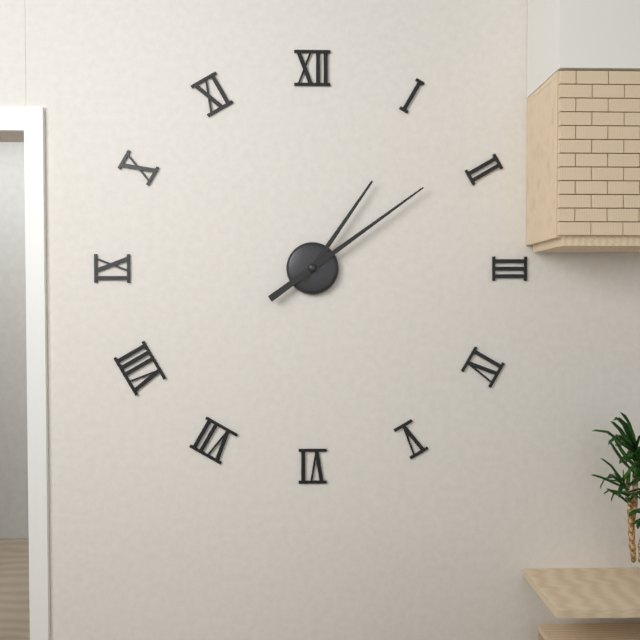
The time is h=1 m=9
